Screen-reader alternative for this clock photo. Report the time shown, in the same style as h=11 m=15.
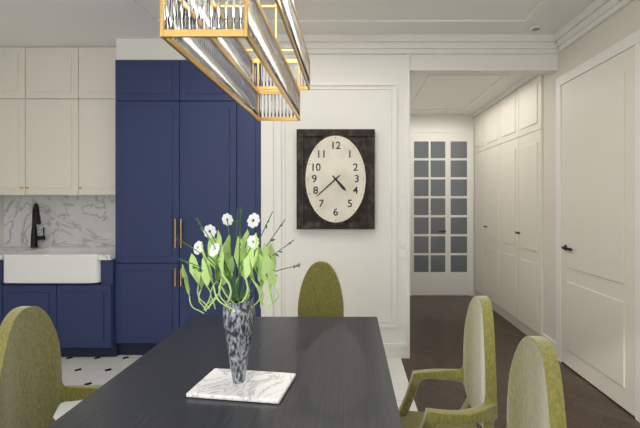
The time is h=4 m=38
